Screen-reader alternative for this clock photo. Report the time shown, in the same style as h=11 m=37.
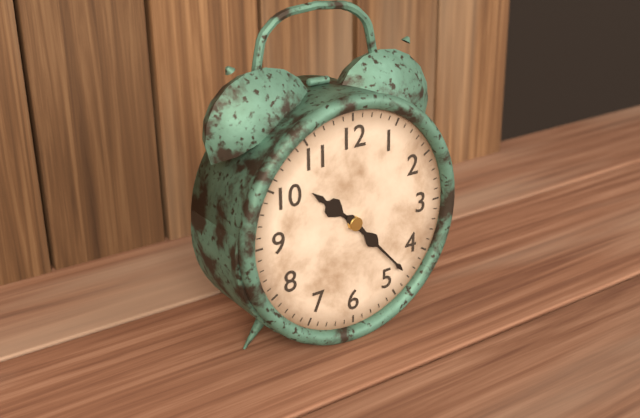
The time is h=10 m=23
